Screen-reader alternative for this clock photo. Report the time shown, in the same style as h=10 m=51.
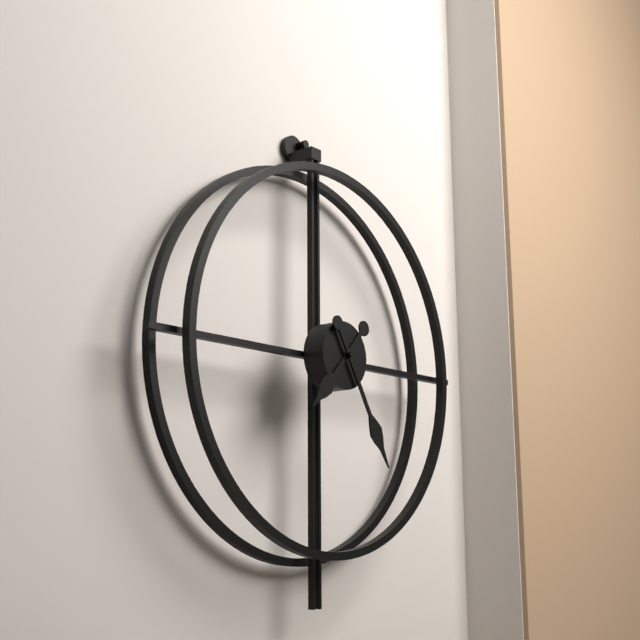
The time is h=7 m=25
